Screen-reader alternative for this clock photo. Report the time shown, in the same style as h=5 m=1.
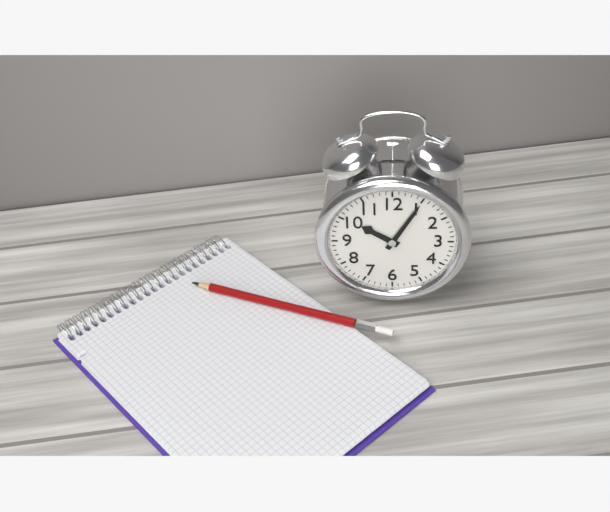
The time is h=10 m=5
